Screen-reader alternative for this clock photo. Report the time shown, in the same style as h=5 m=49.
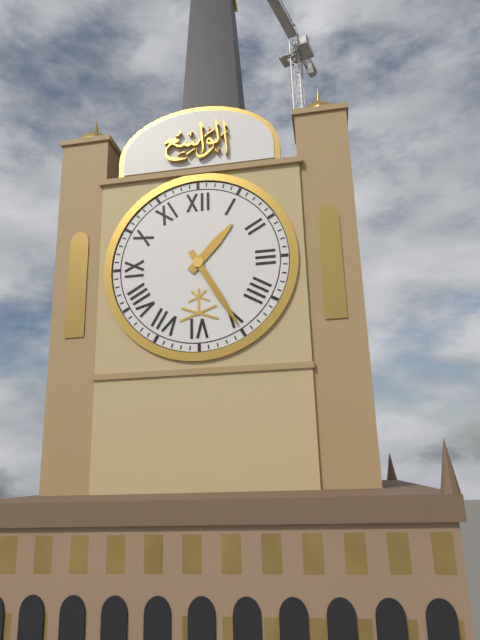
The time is h=1 m=25
